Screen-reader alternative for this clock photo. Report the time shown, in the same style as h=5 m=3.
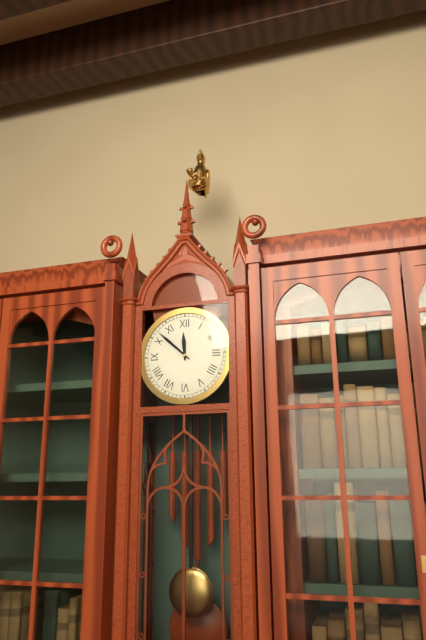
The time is h=11 m=52
